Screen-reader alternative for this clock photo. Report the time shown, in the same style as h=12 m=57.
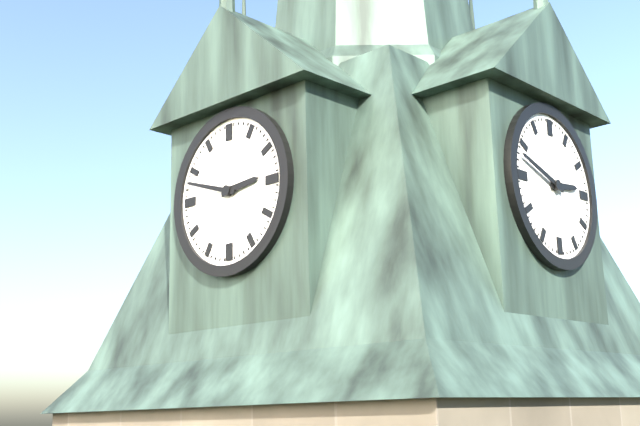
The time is h=2 m=48
